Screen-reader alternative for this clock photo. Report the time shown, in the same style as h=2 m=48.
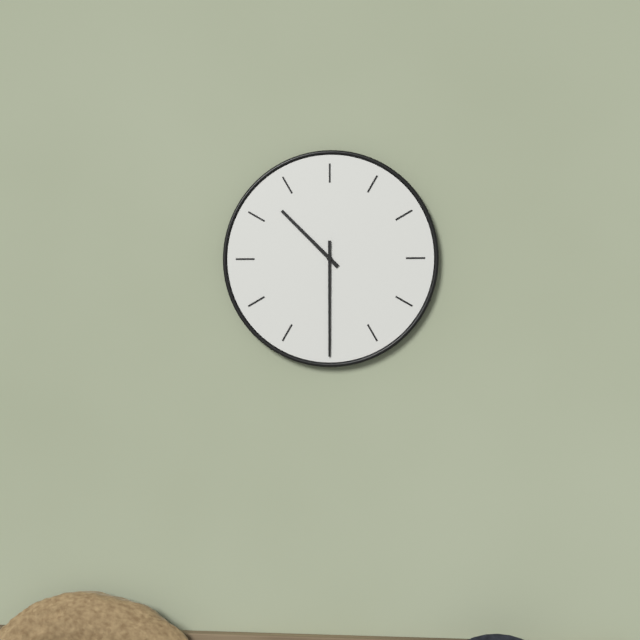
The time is h=10 m=30
